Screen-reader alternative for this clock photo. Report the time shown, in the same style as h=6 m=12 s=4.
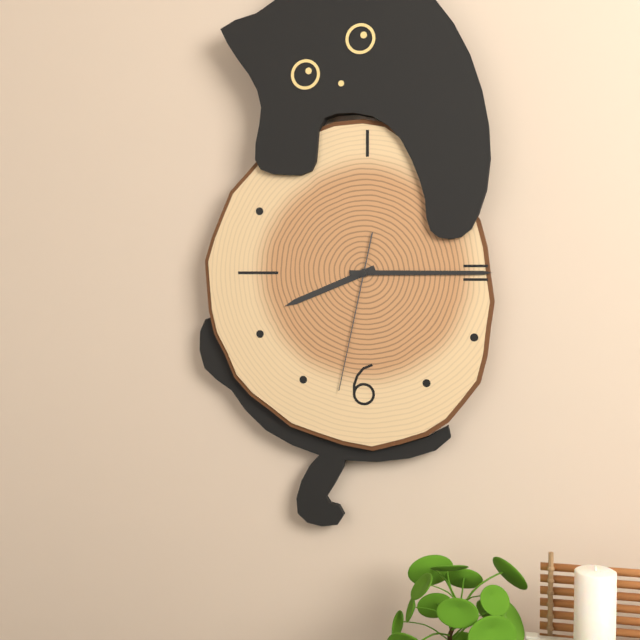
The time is h=8 m=15 s=32
